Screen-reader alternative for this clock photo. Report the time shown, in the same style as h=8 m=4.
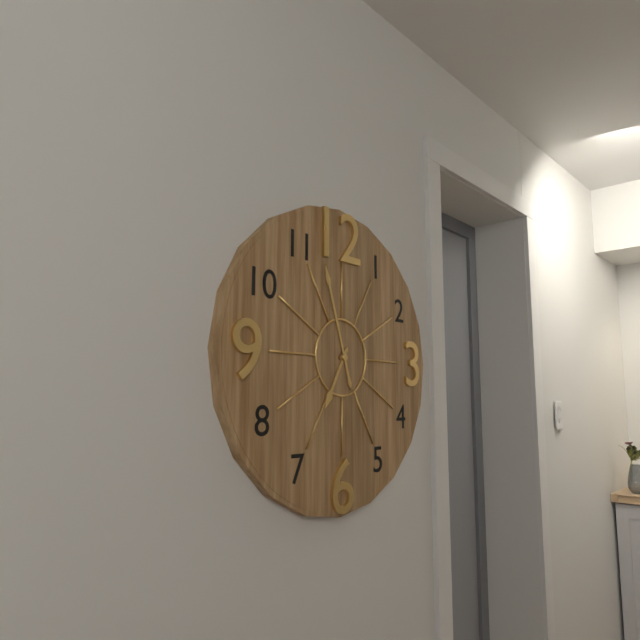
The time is h=6 m=57
